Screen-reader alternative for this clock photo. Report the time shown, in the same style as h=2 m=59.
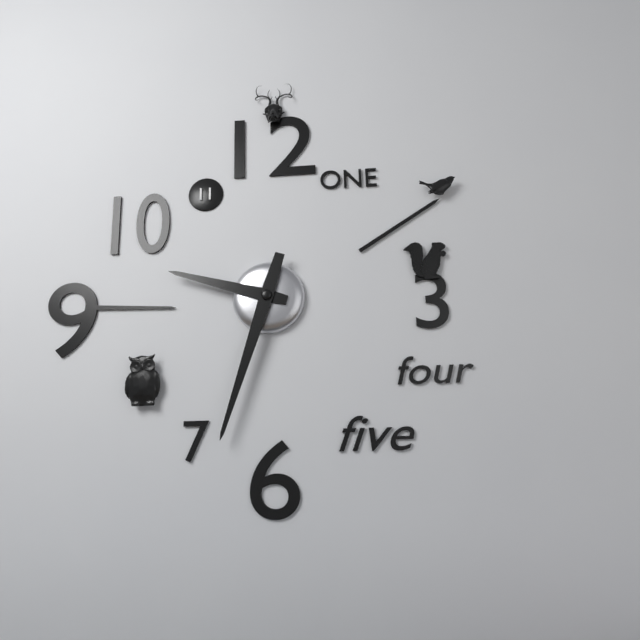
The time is h=9 m=33
